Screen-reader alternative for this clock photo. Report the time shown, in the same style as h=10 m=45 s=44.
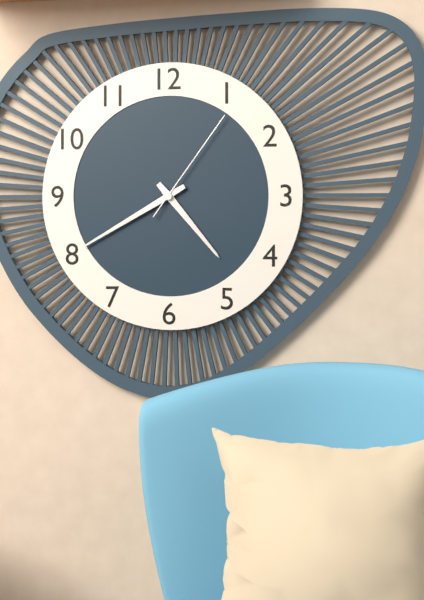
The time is h=4 m=40 s=6
